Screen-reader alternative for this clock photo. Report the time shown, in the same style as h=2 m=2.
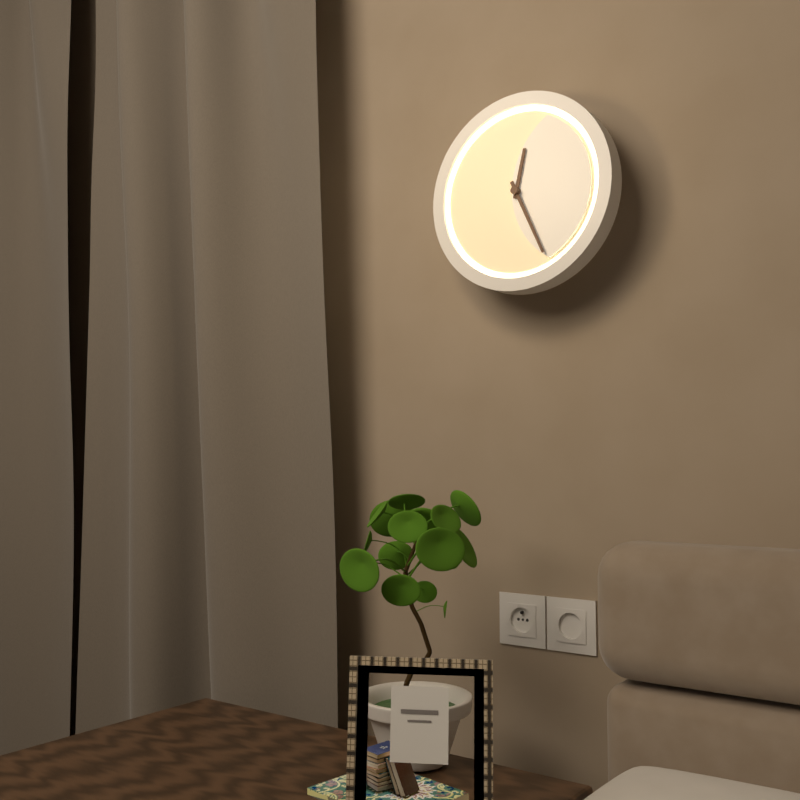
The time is h=12 m=26
